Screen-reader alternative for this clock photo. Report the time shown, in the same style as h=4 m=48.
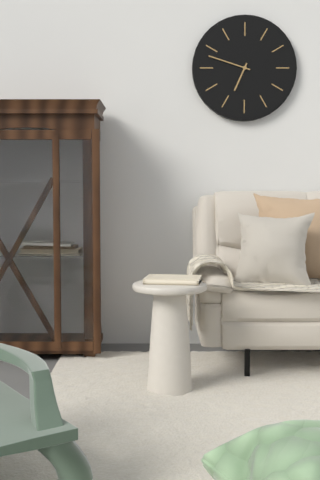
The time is h=6 m=48
